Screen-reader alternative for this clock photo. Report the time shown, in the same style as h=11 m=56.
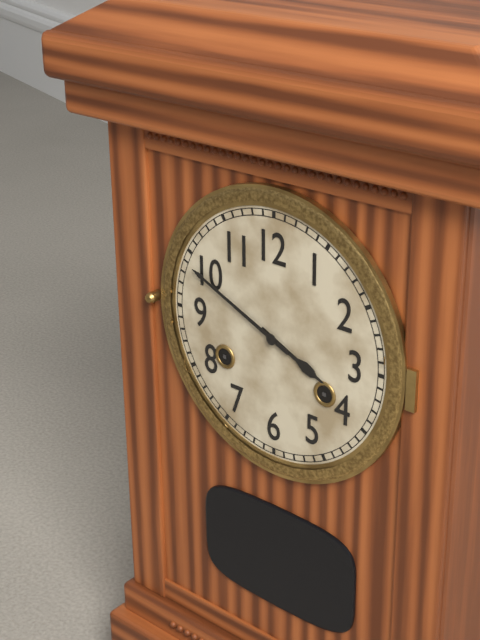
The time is h=3 m=49
